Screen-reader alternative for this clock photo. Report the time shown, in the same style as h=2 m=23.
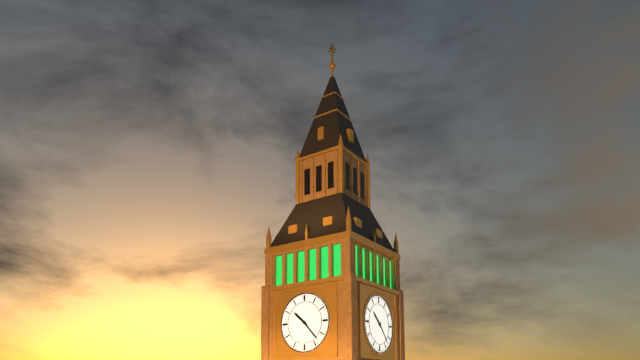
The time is h=10 m=23
